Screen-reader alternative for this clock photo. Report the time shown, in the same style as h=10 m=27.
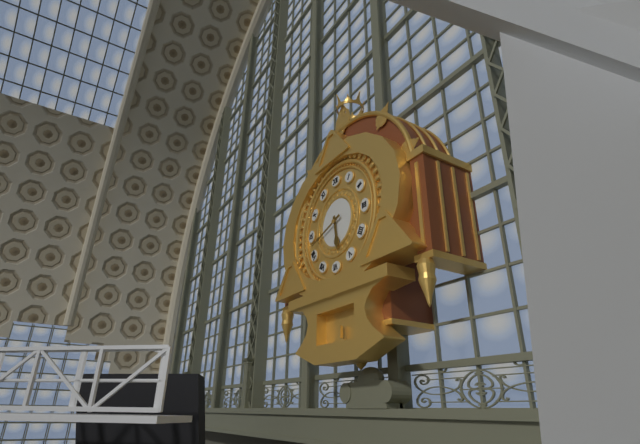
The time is h=5 m=42
